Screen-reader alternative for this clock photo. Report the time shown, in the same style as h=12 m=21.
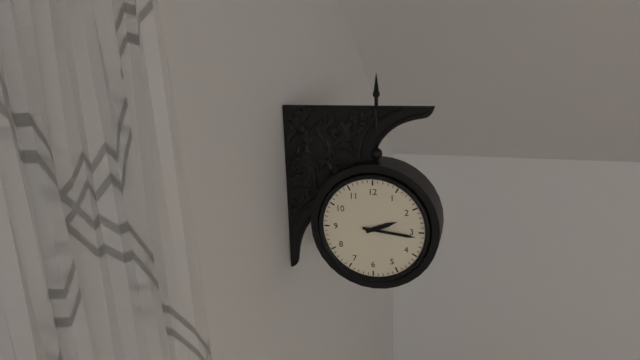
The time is h=2 m=16
